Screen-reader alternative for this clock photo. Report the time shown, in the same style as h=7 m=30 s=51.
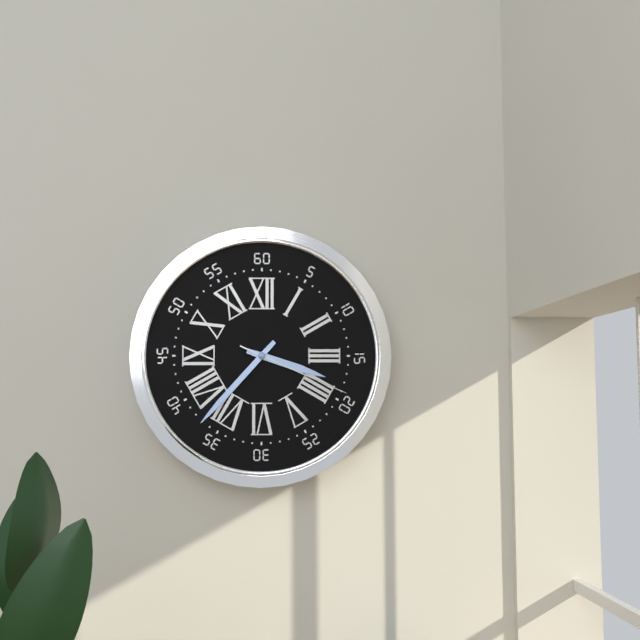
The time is h=3 m=37 s=19
